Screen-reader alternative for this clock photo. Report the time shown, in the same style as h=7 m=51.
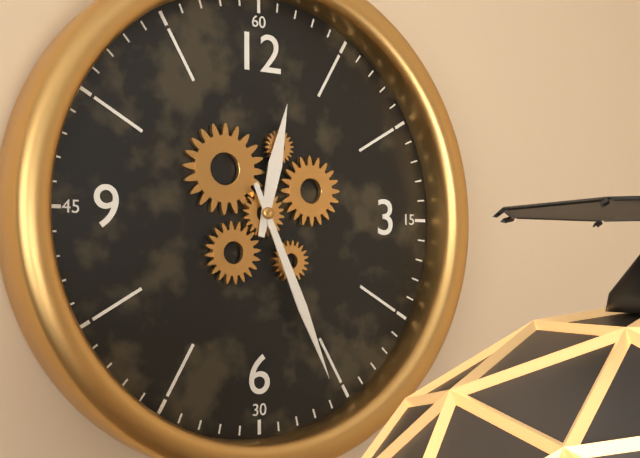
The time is h=12 m=26
